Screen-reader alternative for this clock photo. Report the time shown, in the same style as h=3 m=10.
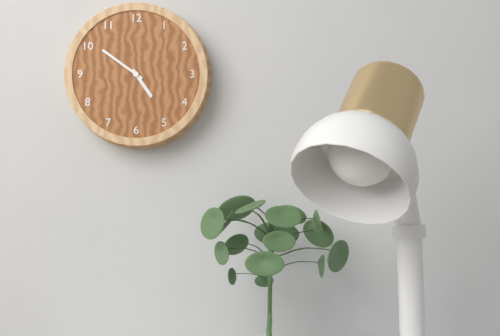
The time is h=4 m=51
